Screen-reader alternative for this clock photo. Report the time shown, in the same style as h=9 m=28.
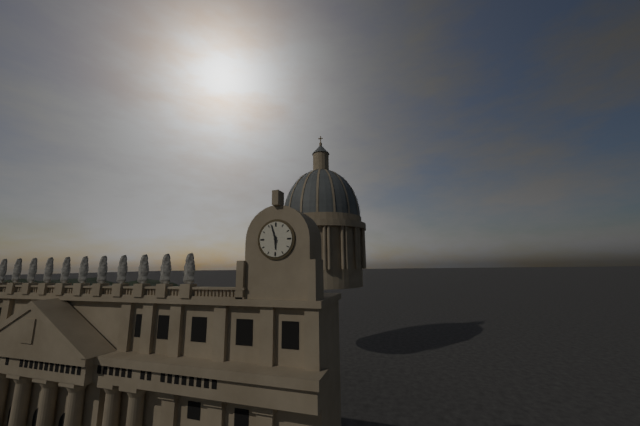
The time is h=5 m=57
